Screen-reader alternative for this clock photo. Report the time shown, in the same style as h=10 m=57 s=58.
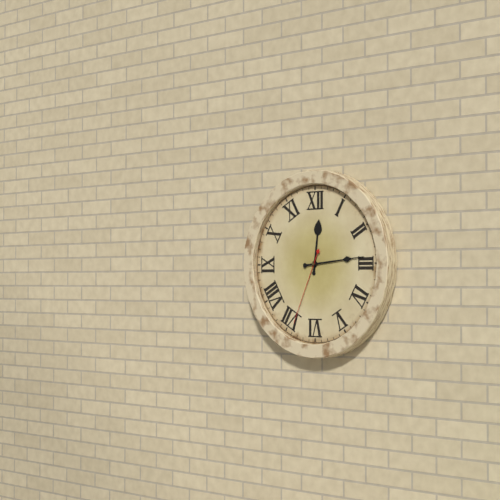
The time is h=12 m=14 s=34
